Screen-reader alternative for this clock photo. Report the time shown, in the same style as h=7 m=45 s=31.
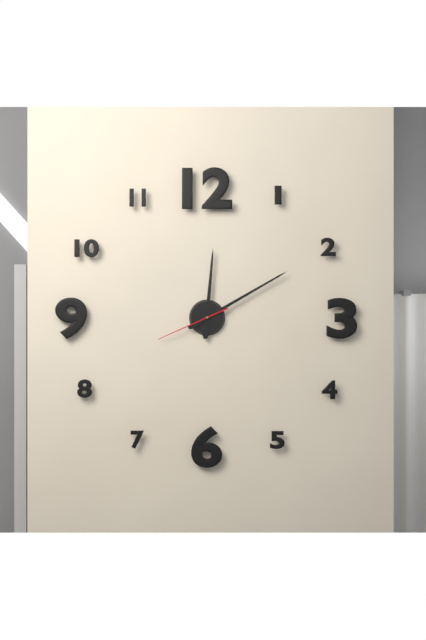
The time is h=12 m=10 s=41
